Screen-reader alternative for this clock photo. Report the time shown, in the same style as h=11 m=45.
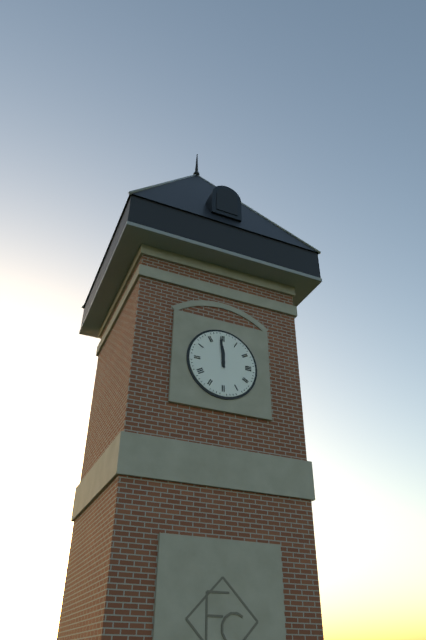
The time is h=11 m=59
